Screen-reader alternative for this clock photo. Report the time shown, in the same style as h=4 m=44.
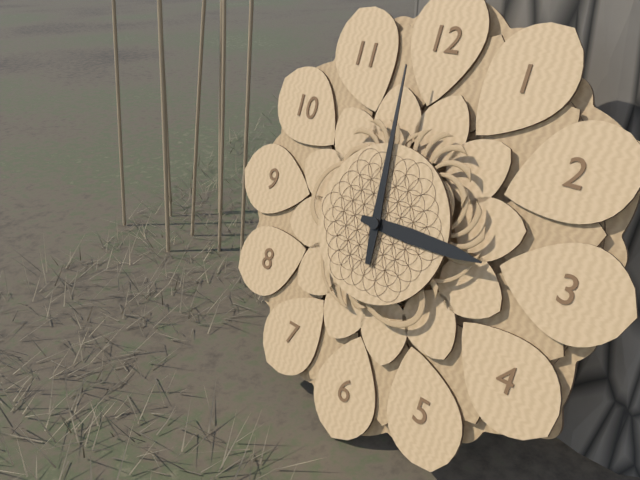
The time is h=2 m=59
